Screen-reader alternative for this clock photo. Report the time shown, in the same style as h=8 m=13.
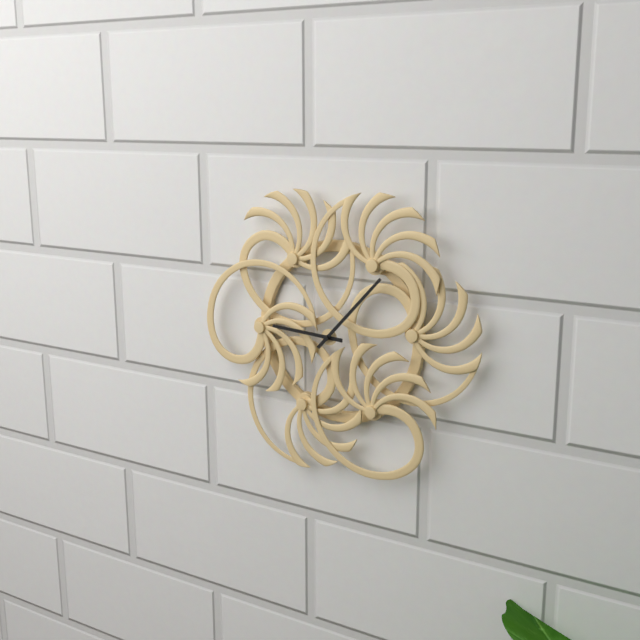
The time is h=9 m=7
